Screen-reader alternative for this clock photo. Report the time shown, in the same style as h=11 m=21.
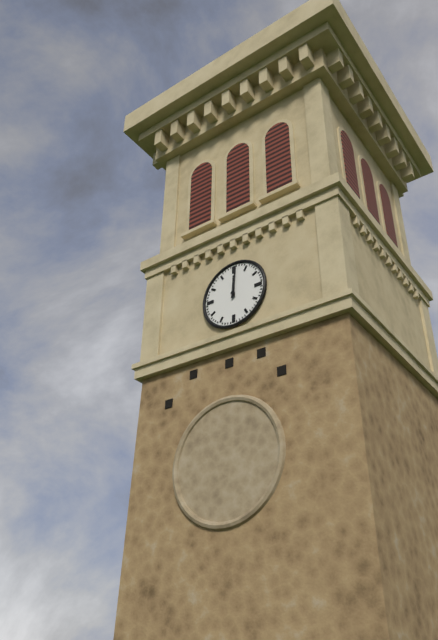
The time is h=12 m=1
